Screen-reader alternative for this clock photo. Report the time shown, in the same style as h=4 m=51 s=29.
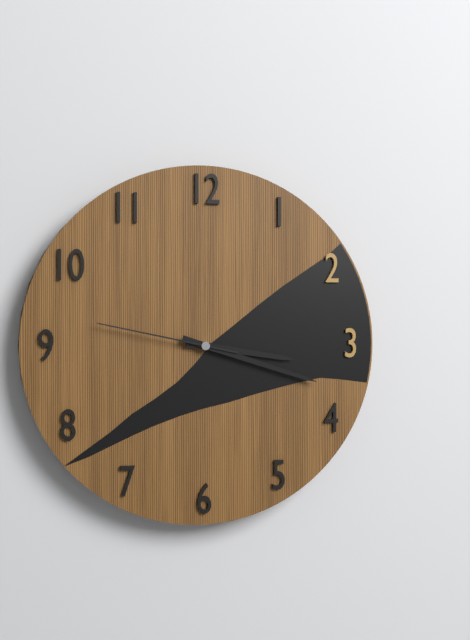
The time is h=3 m=18 s=47
